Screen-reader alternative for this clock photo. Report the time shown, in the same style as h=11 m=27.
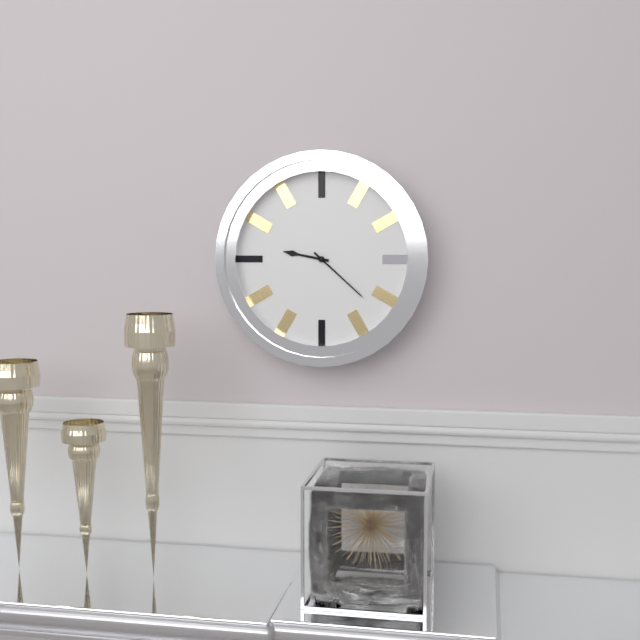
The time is h=9 m=22
